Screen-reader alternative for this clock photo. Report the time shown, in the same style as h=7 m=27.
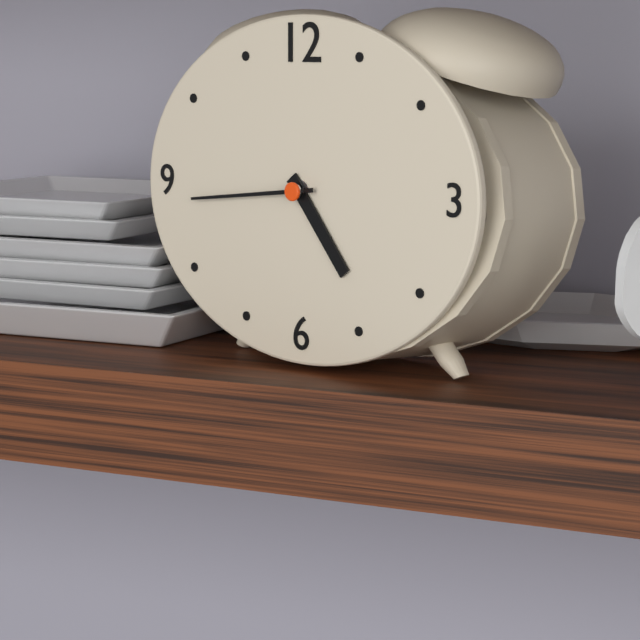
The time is h=4 m=44
